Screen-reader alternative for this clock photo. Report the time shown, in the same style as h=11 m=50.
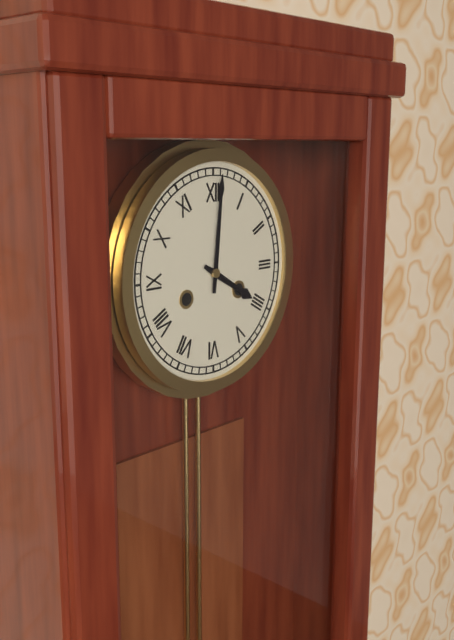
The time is h=4 m=1
